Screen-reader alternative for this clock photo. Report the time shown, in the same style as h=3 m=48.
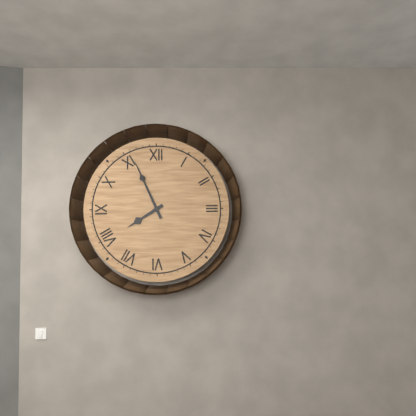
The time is h=7 m=56
